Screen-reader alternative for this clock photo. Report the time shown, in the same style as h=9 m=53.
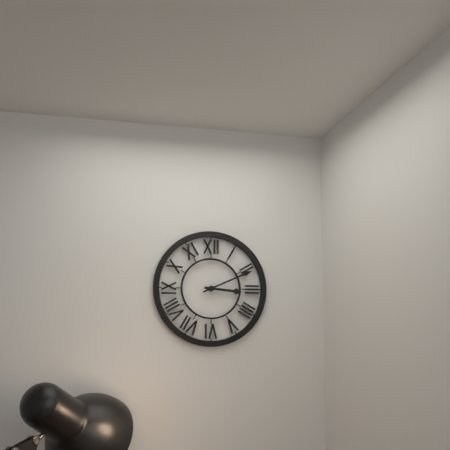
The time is h=3 m=11
